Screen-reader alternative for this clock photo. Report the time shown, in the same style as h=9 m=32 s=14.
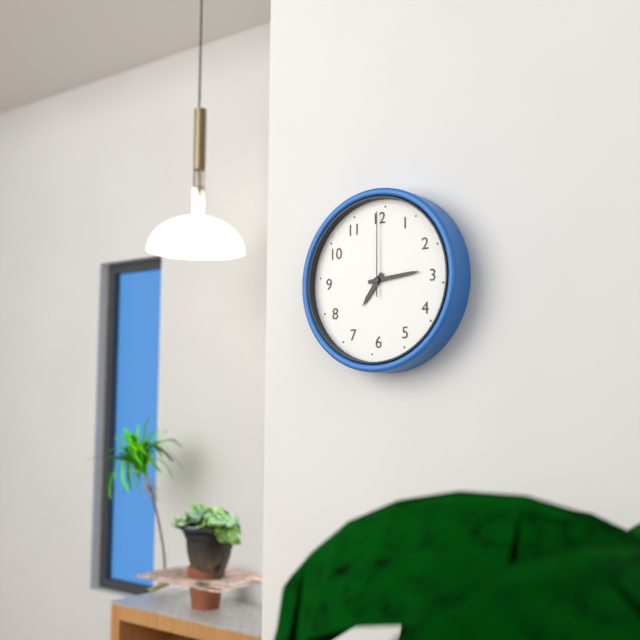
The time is h=7 m=14 s=0
